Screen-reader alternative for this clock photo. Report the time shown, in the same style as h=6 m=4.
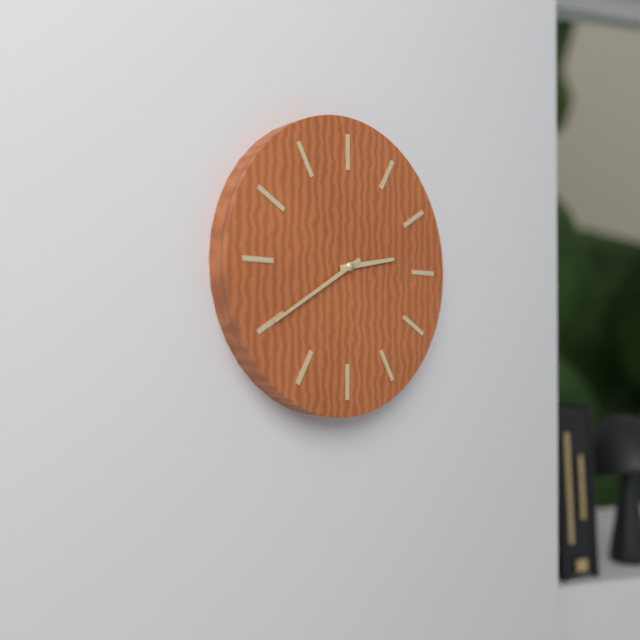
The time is h=2 m=40
